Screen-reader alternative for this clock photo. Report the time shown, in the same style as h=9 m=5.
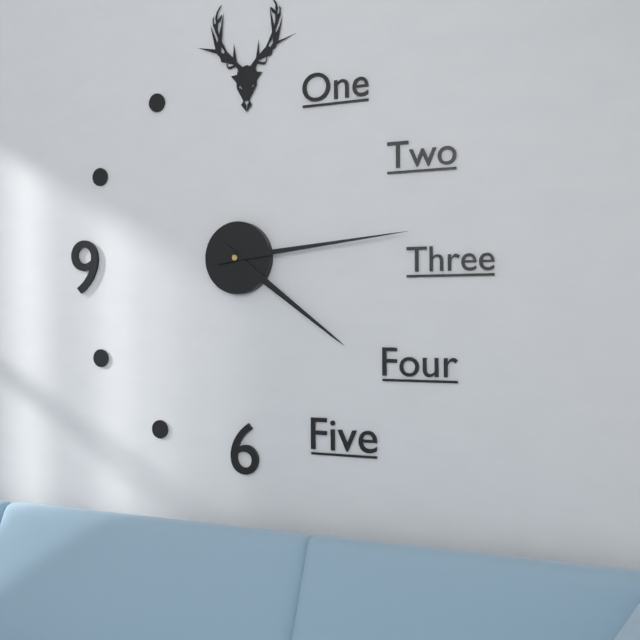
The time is h=4 m=14
